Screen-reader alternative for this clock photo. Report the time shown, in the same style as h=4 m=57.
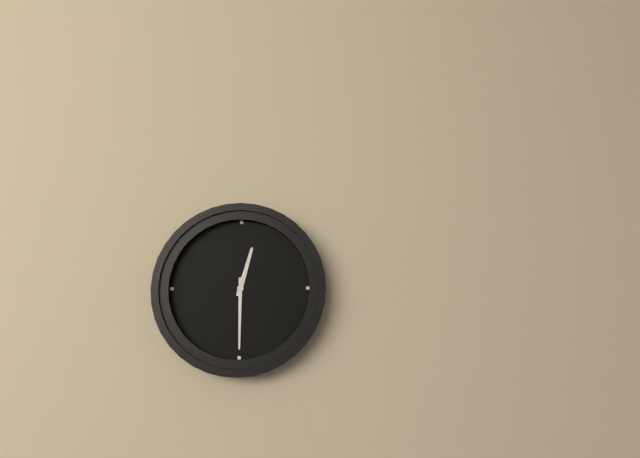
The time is h=12 m=30
